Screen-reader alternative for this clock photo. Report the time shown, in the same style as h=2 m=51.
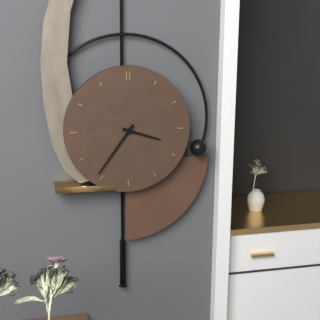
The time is h=3 m=36
